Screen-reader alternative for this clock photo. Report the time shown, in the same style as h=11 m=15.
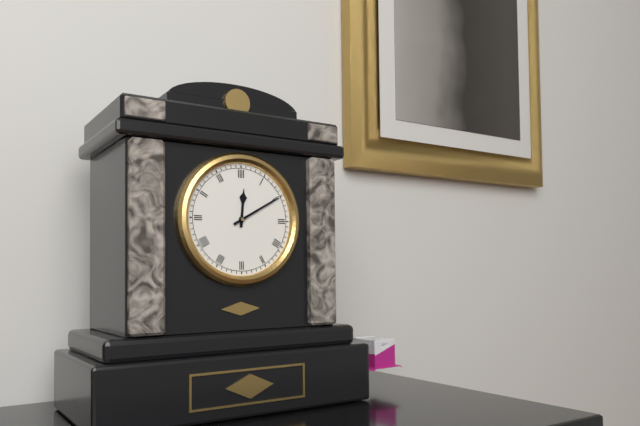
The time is h=12 m=10
